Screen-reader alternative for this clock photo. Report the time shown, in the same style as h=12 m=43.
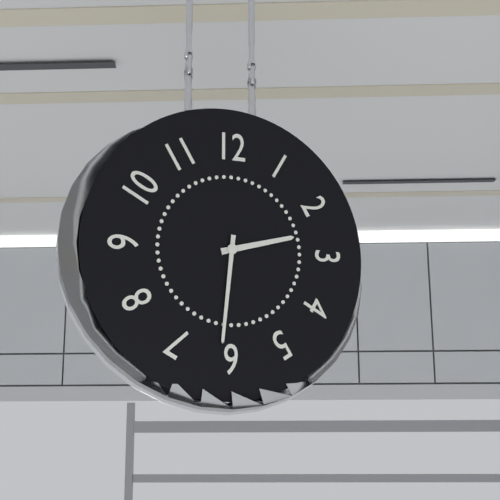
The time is h=2 m=31
